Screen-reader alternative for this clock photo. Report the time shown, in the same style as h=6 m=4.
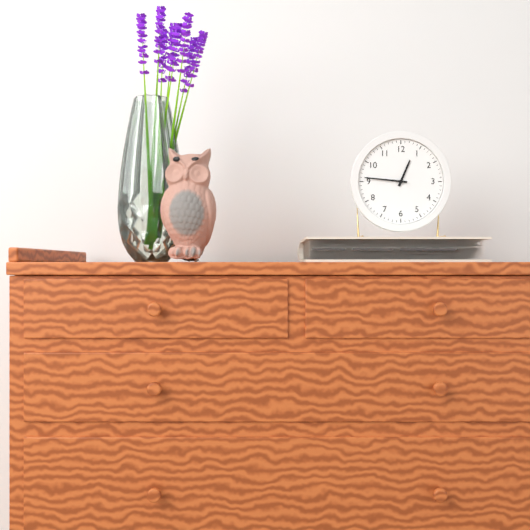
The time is h=12 m=46
